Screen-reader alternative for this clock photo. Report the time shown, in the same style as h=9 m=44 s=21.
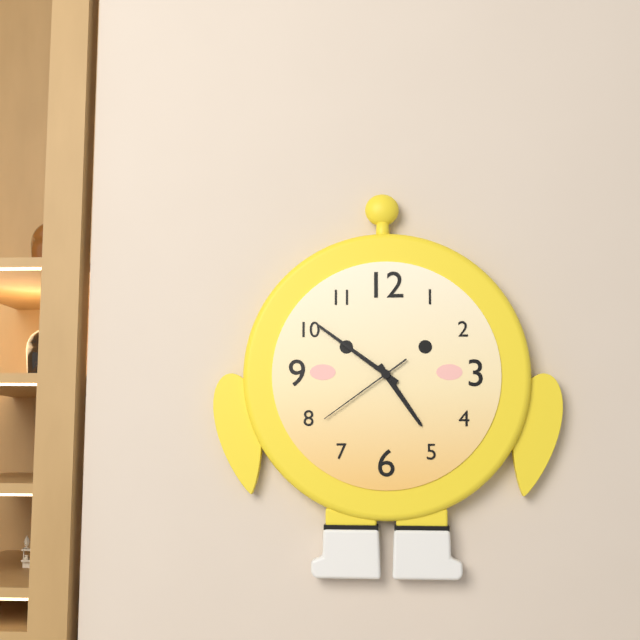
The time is h=4 m=51 s=39
